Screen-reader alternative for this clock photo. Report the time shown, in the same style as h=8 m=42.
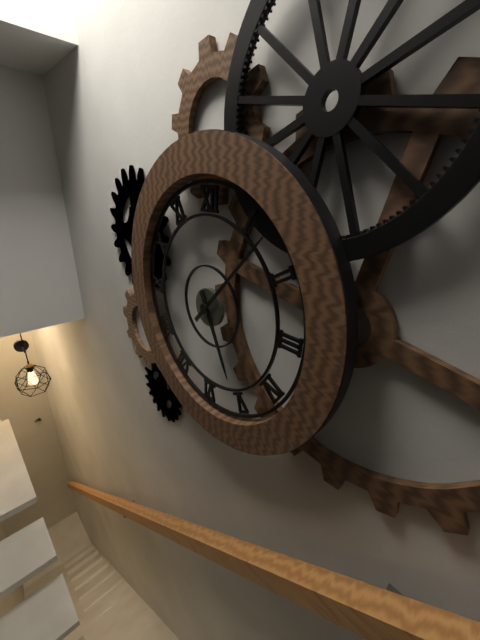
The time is h=5 m=7
